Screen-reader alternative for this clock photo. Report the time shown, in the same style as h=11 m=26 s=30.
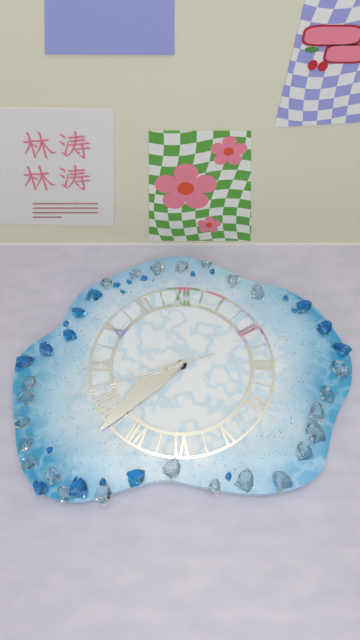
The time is h=7 m=38 s=42
